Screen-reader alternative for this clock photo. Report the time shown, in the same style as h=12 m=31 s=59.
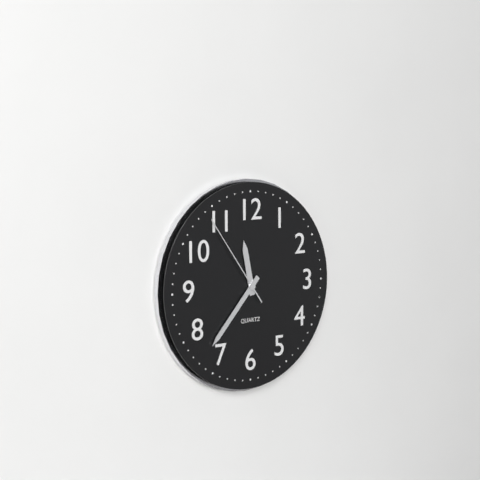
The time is h=11 m=37 s=54
